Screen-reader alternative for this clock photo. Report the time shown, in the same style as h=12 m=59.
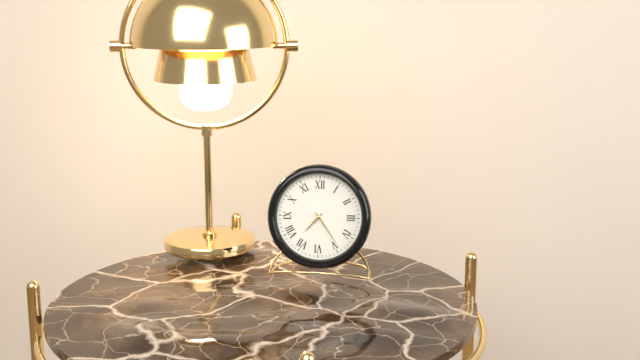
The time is h=7 m=24
